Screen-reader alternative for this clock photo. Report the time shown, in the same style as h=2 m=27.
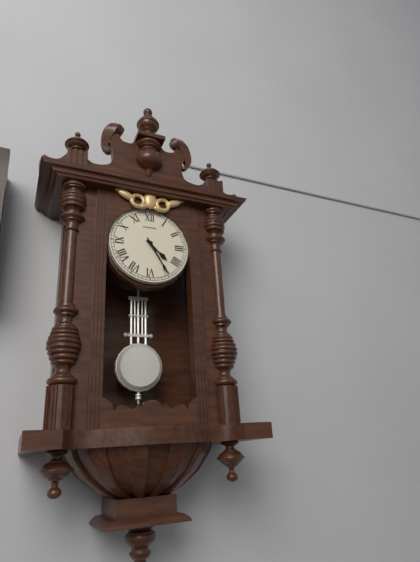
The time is h=4 m=25
